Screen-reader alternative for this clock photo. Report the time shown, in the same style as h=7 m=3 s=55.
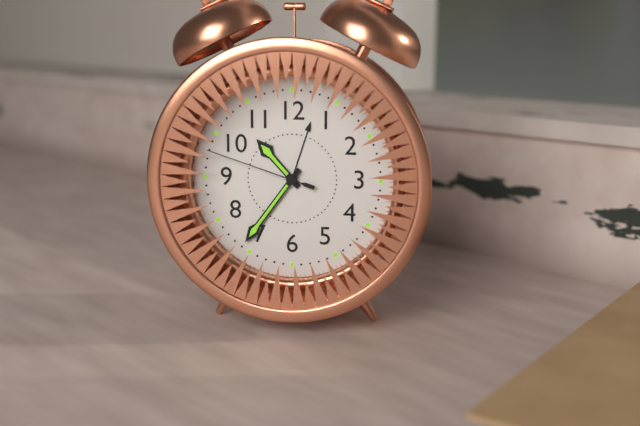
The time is h=10 m=36 s=48
